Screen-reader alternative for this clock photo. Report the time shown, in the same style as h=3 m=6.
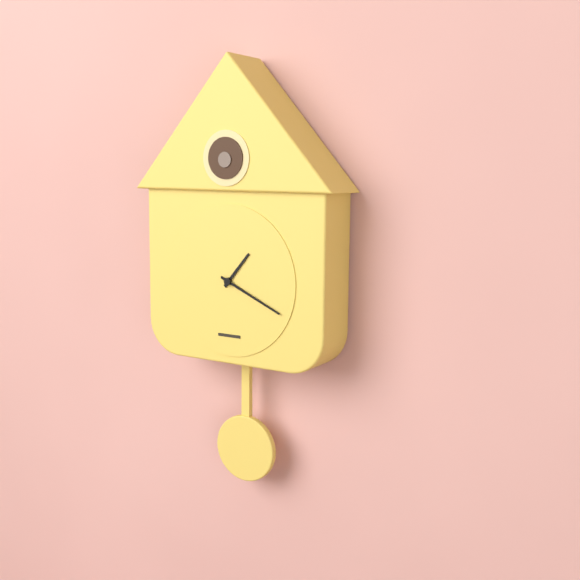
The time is h=1 m=19
